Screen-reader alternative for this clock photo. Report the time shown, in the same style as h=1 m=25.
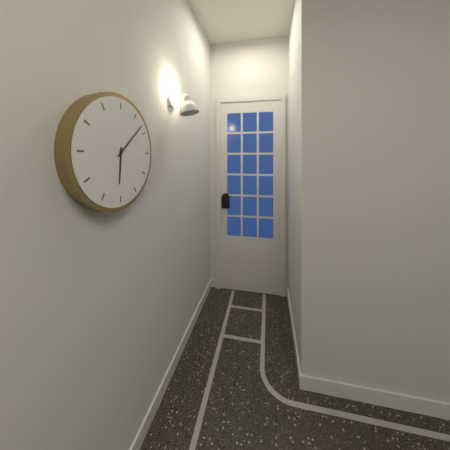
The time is h=6 m=8
